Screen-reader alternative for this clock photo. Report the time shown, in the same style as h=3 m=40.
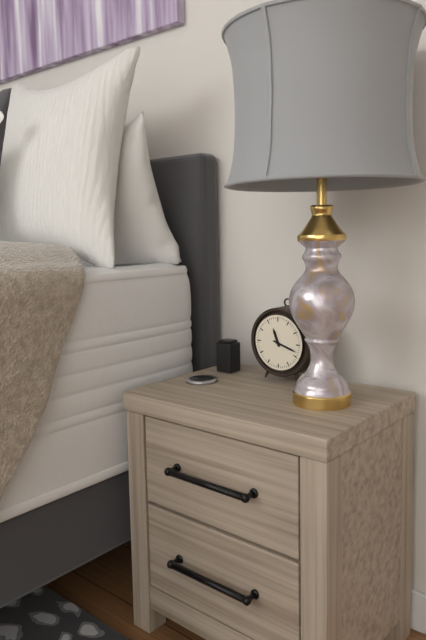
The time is h=11 m=18
